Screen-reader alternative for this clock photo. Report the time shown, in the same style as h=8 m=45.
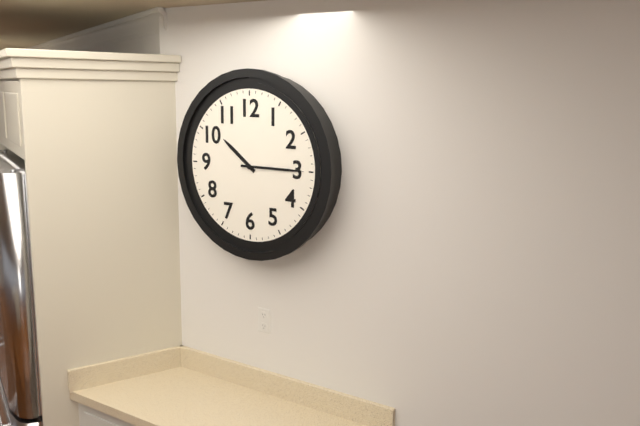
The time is h=10 m=15
